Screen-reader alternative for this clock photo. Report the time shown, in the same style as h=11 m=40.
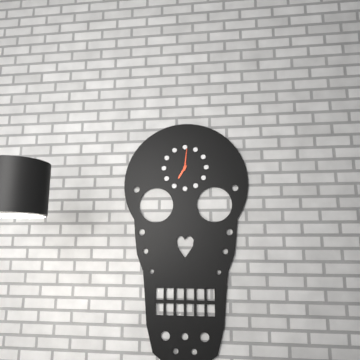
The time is h=7 m=1
